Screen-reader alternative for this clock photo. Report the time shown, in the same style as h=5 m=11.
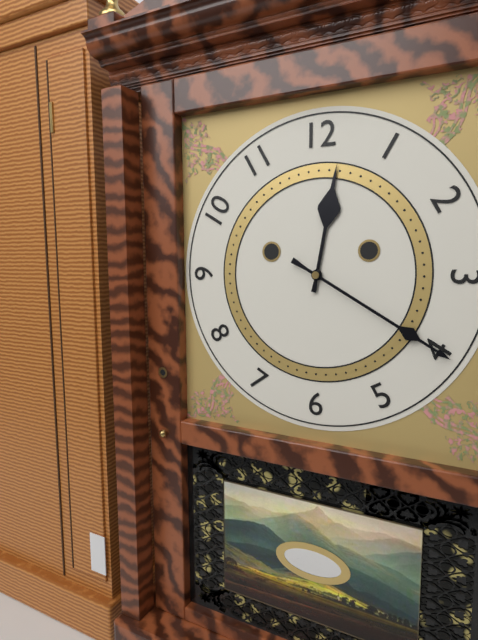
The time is h=12 m=20
